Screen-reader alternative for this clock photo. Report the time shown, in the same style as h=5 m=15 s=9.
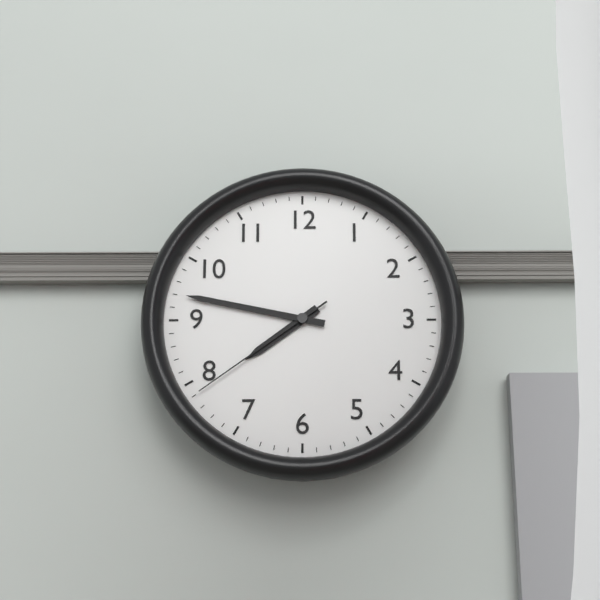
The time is h=7 m=47 s=39
